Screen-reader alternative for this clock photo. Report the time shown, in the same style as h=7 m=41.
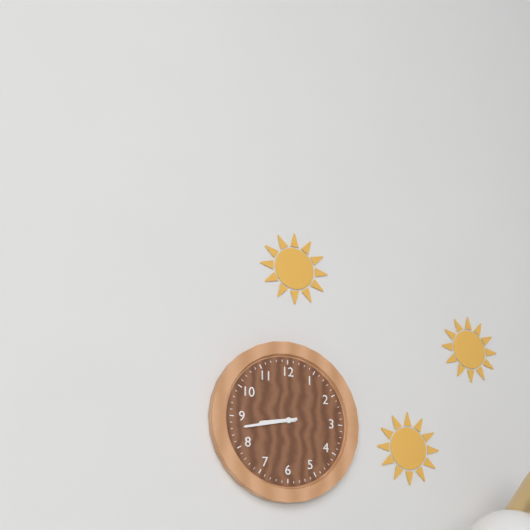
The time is h=8 m=43
